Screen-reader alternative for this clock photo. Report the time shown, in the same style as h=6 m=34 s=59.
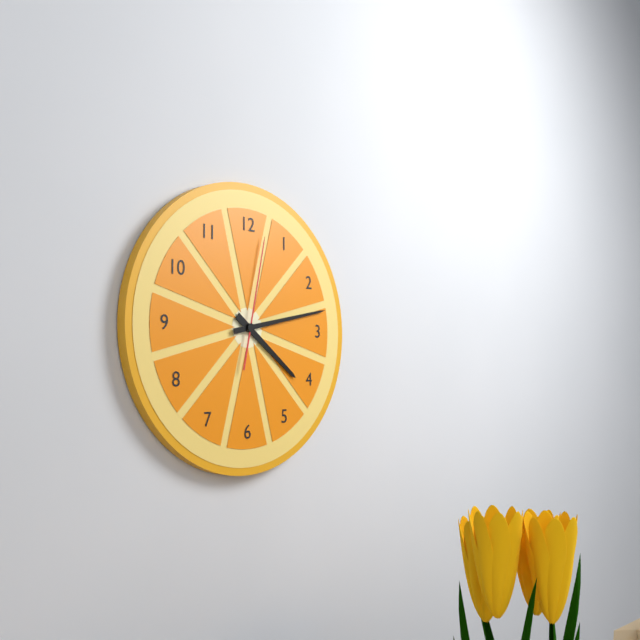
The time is h=4 m=13 s=2
